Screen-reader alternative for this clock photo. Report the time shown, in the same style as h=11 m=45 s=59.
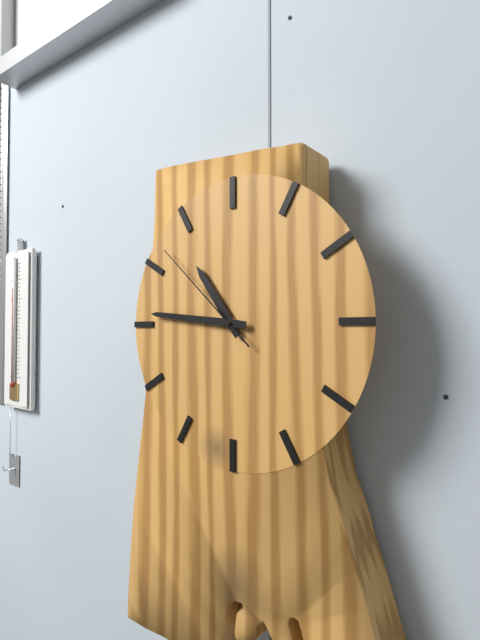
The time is h=10 m=46 s=52
